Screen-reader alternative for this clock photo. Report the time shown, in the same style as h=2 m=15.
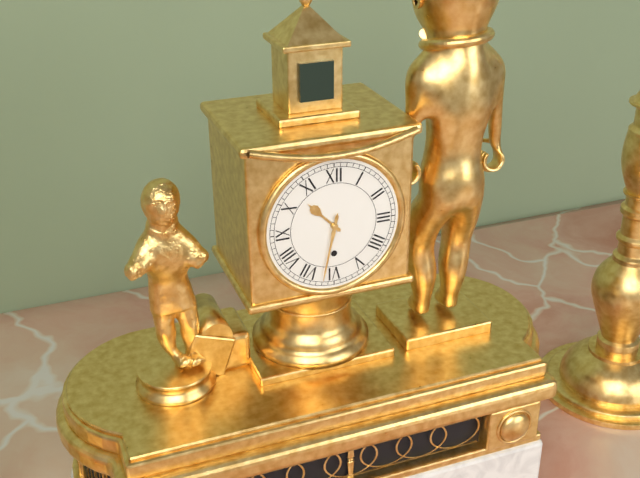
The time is h=10 m=32
